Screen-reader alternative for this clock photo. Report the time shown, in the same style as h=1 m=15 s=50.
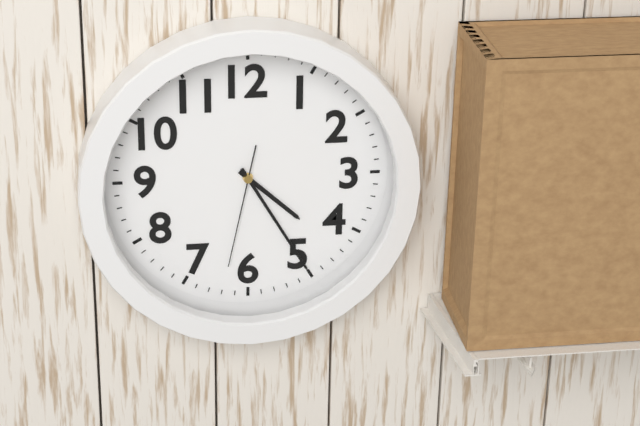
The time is h=4 m=25 s=32
